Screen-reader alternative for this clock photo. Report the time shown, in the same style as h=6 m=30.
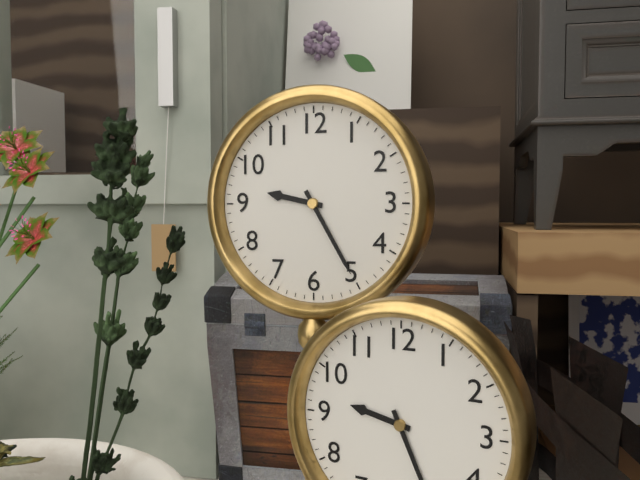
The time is h=9 m=25
